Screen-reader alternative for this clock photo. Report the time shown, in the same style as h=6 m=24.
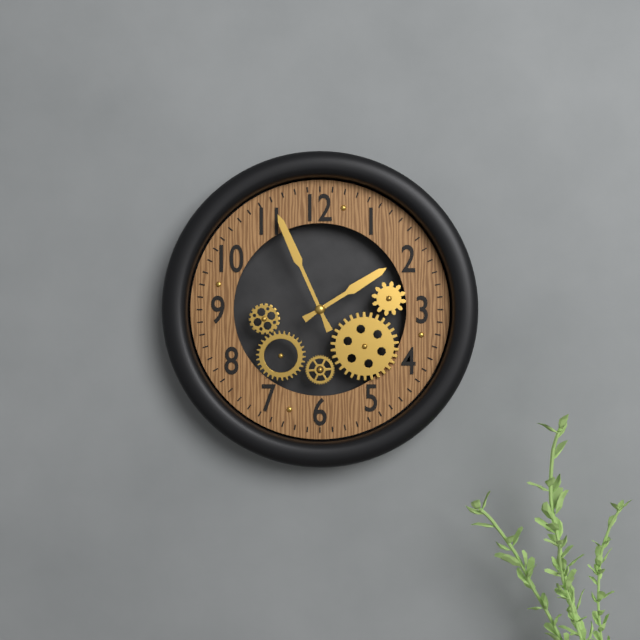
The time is h=1 m=56
